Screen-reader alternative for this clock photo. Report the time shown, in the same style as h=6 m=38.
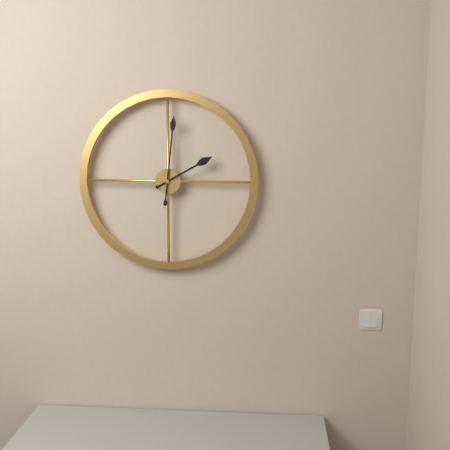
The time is h=2 m=1
